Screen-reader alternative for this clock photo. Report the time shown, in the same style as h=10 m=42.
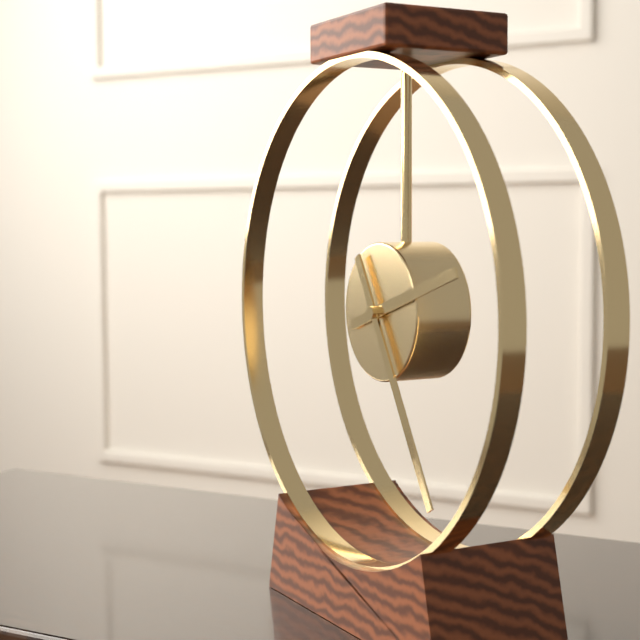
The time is h=2 m=25
